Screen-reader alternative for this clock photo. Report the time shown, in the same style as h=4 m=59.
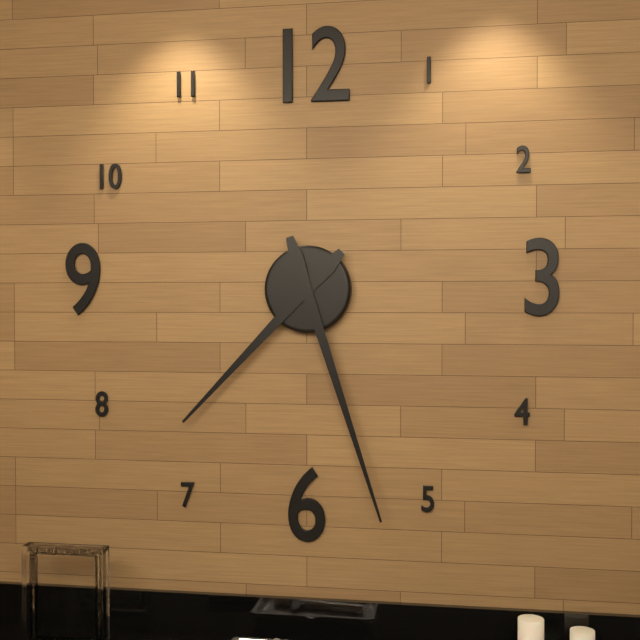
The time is h=7 m=27
